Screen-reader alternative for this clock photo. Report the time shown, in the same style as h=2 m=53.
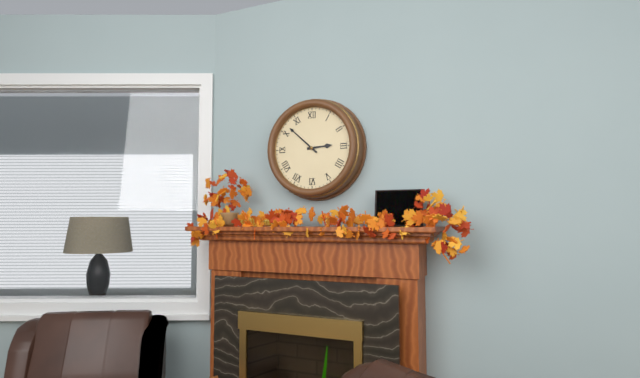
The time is h=2 m=52
